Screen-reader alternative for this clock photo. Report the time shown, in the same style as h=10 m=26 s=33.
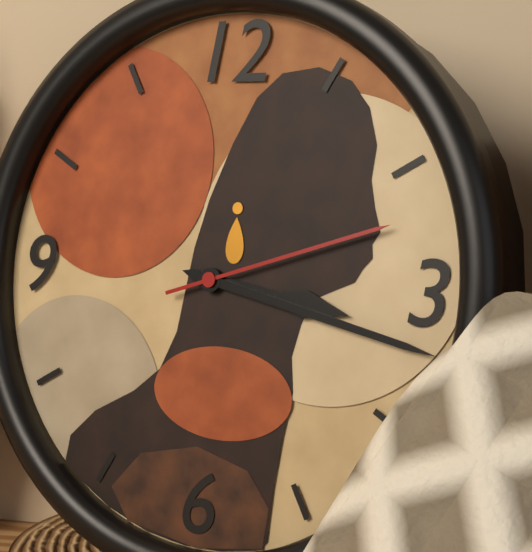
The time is h=3 m=17 s=12
